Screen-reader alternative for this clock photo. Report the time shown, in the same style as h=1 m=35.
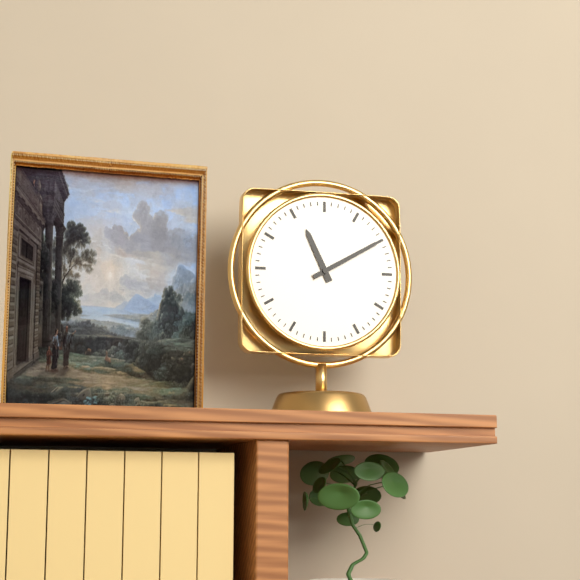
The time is h=11 m=10
